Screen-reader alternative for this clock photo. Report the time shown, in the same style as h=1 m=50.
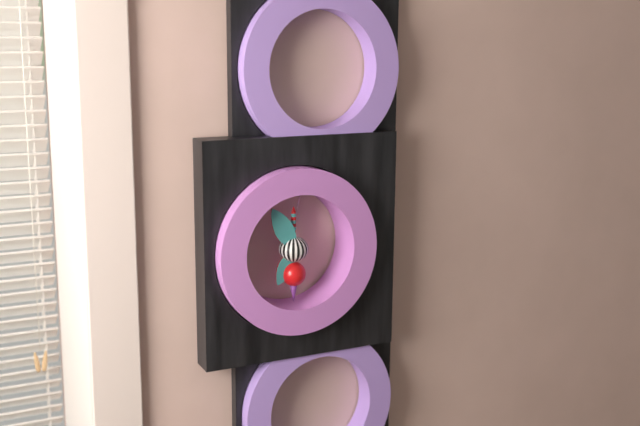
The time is h=6 m=55
